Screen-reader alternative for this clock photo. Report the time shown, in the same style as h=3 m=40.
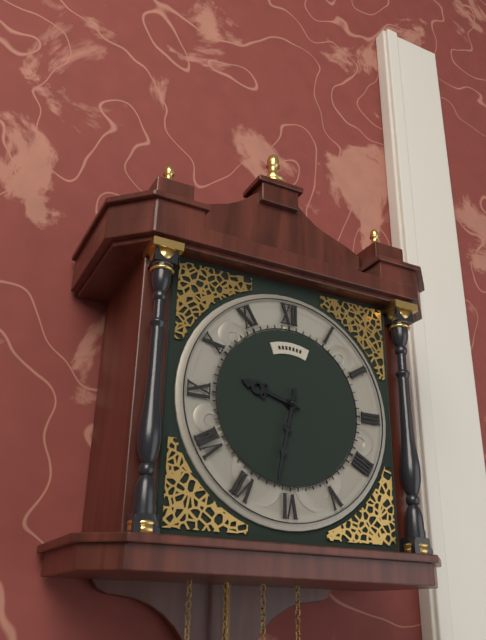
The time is h=9 m=32
